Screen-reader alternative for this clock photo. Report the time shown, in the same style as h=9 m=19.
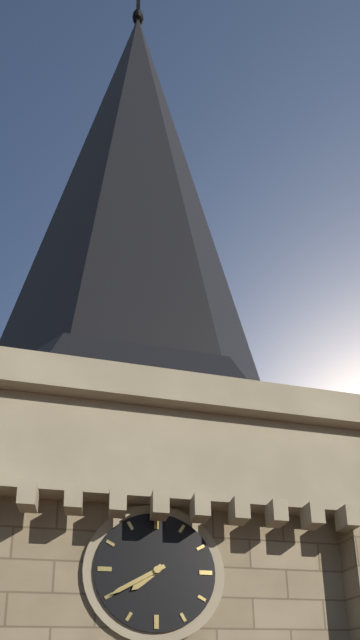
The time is h=7 m=40
